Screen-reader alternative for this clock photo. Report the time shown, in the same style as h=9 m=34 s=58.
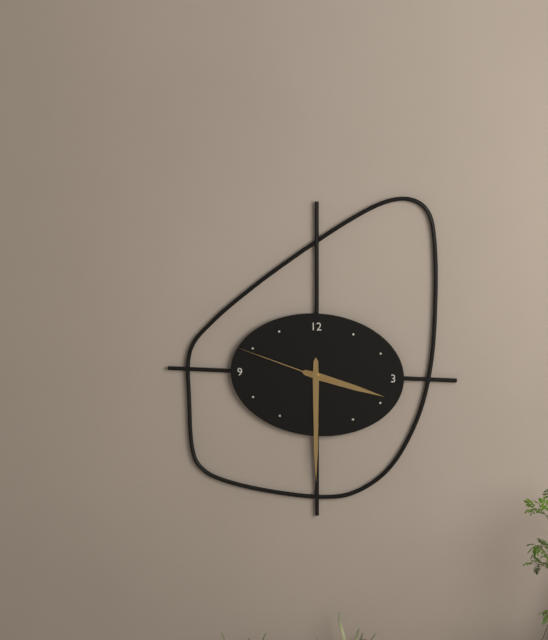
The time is h=3 m=30 s=48
